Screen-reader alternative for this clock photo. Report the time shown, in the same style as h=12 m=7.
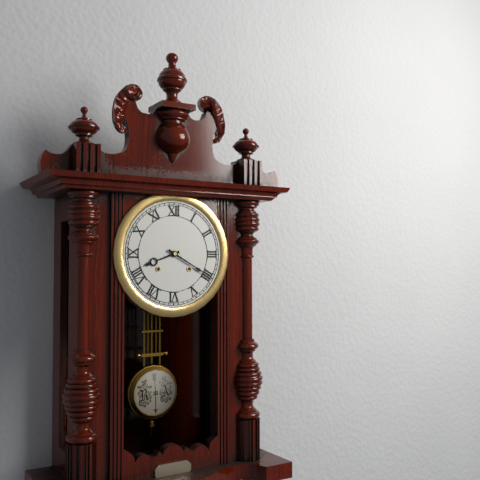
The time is h=8 m=20
